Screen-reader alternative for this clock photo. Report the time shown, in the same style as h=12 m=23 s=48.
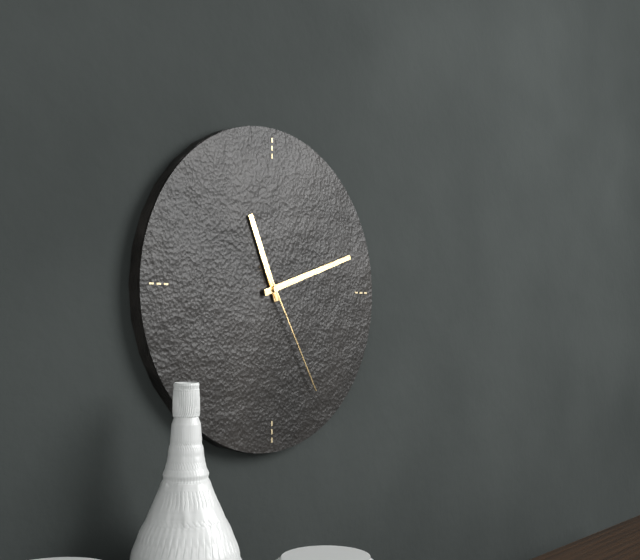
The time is h=11 m=12 s=25
